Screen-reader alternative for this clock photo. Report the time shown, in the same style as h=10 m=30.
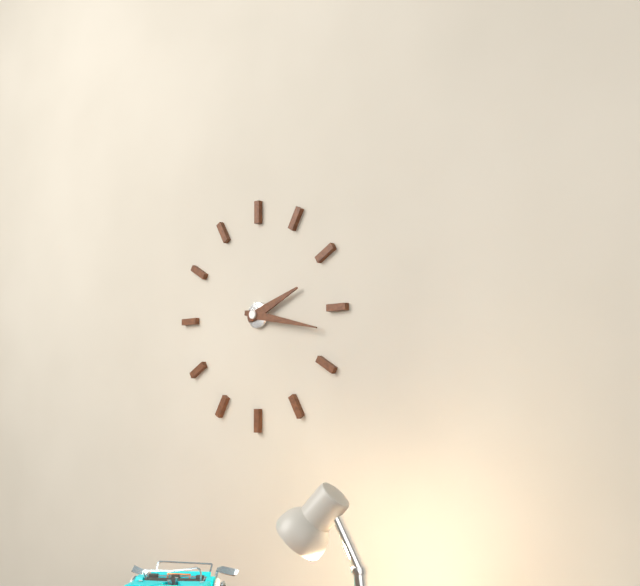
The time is h=2 m=17
